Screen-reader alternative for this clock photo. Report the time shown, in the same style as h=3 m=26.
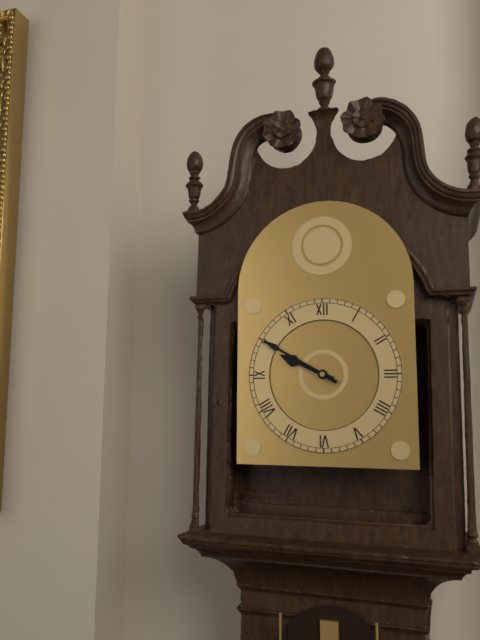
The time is h=9 m=50
